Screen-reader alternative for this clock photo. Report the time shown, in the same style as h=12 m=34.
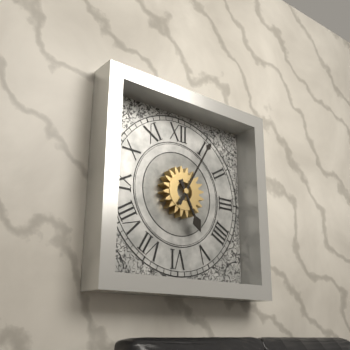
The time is h=5 m=5
